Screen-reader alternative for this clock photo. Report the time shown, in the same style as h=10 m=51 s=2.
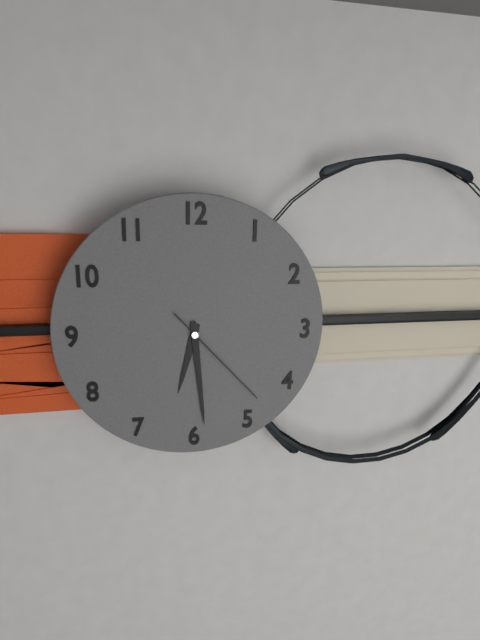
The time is h=6 m=29 s=23
